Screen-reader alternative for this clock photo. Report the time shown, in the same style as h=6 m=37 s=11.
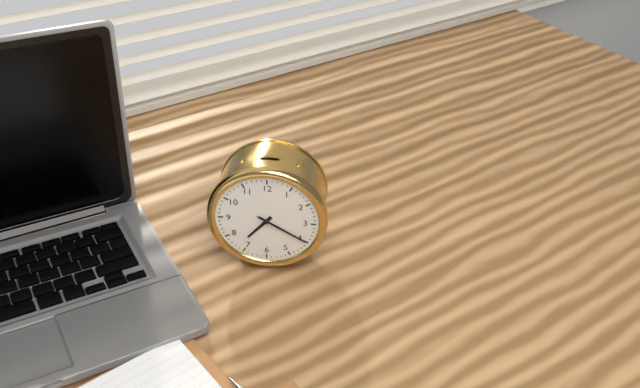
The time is h=7 m=20 s=20
